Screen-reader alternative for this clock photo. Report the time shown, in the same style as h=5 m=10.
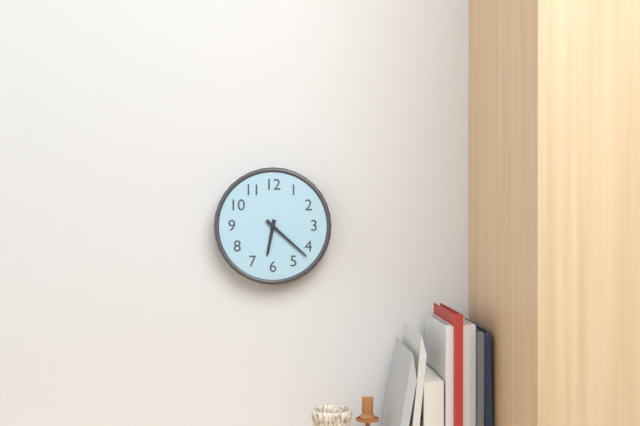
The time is h=6 m=22
